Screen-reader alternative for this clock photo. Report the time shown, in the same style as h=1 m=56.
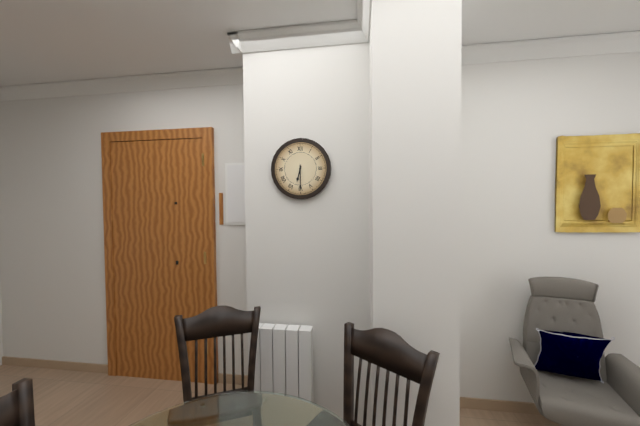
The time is h=6 m=30
